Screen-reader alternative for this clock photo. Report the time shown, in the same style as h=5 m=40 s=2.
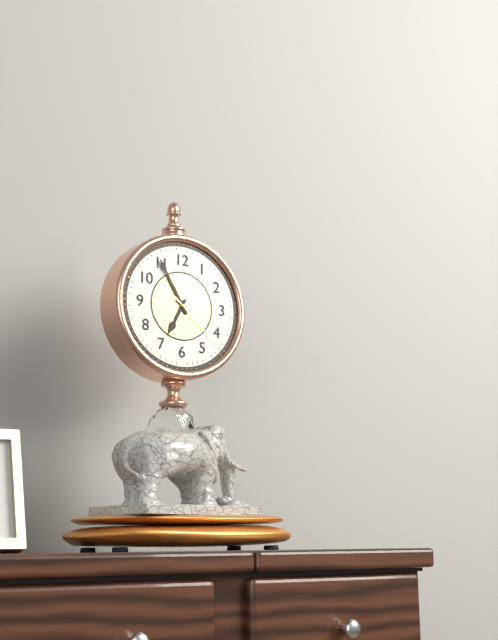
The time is h=6 m=55 s=22
